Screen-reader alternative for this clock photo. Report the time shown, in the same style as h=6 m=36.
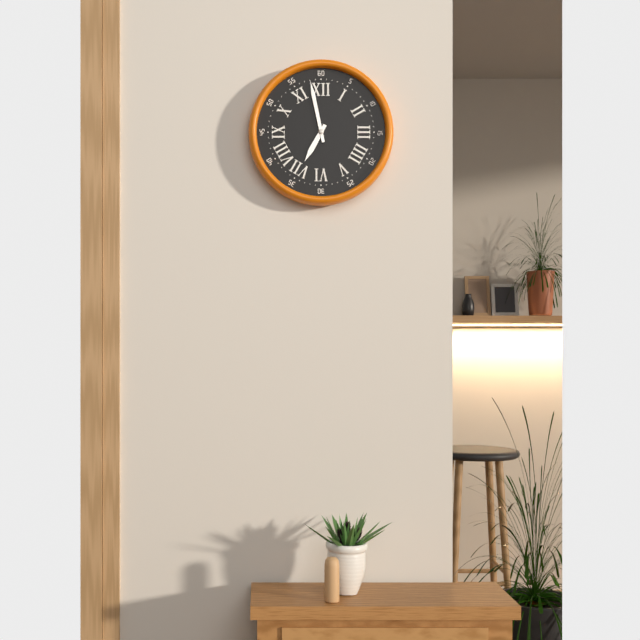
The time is h=6 m=58
